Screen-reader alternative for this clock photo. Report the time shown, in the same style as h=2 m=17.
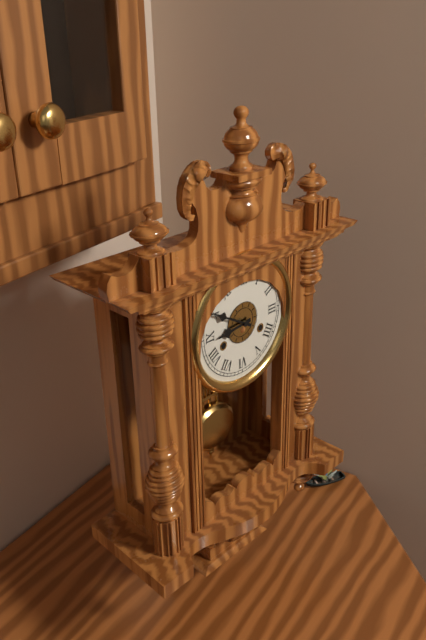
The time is h=8 m=50
